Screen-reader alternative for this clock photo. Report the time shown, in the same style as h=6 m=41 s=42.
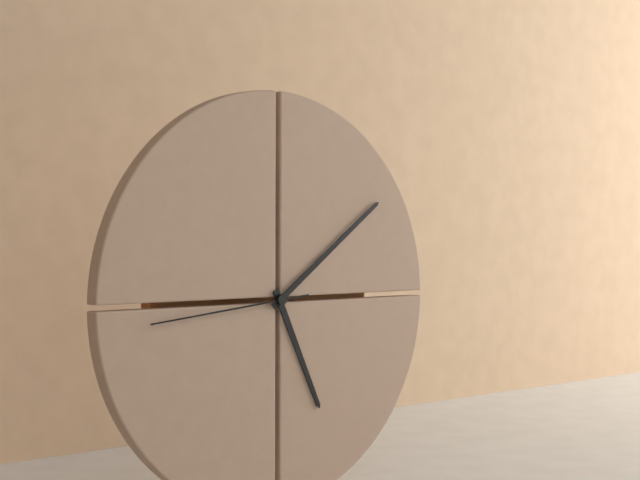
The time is h=5 m=9 s=44
